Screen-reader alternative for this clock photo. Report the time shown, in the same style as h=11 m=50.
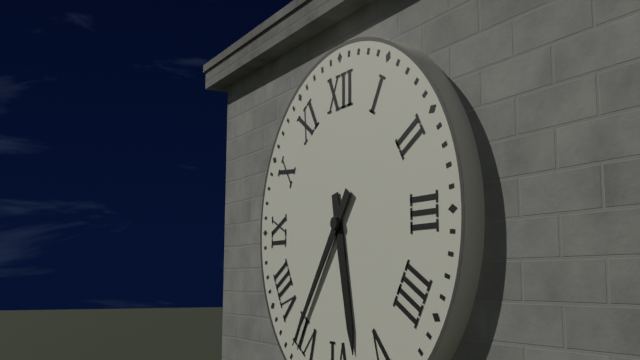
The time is h=5 m=36
